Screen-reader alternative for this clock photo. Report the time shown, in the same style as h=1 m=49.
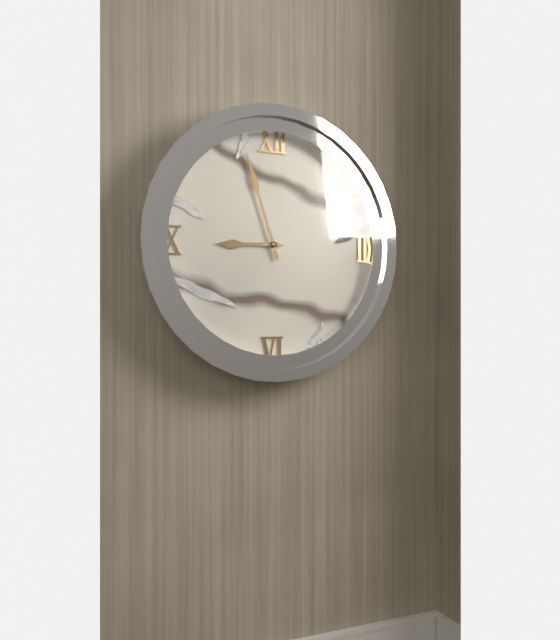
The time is h=8 m=57
